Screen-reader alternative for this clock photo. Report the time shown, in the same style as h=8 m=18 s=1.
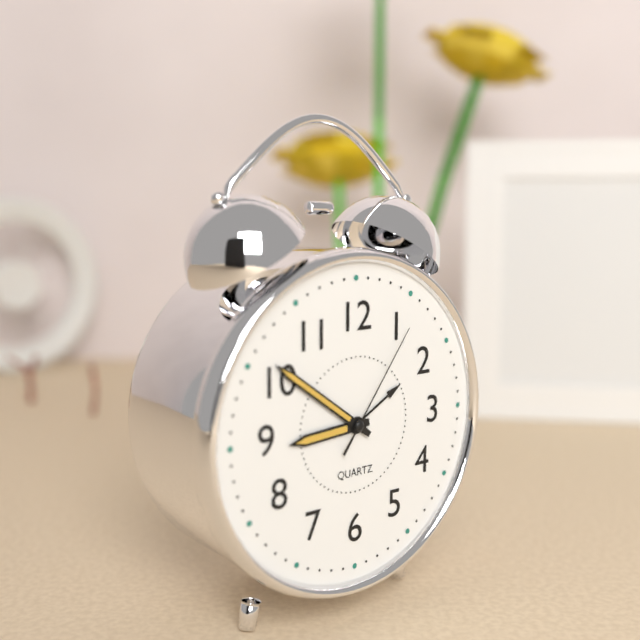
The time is h=8 m=51 s=6
